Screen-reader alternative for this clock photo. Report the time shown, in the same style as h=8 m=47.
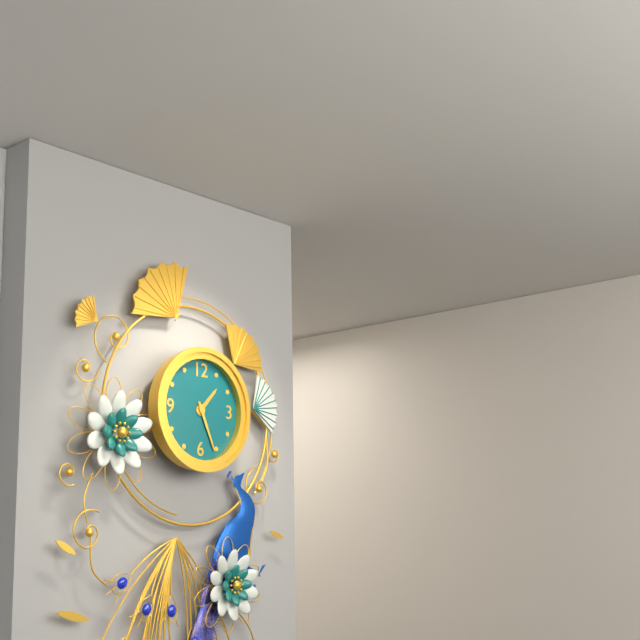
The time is h=1 m=26
